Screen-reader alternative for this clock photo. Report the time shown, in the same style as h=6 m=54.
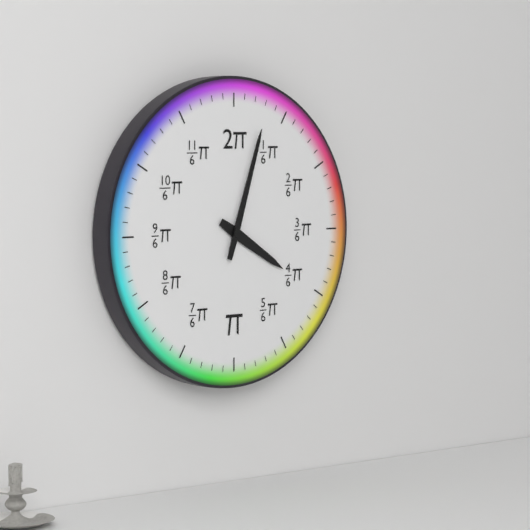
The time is h=4 m=3
